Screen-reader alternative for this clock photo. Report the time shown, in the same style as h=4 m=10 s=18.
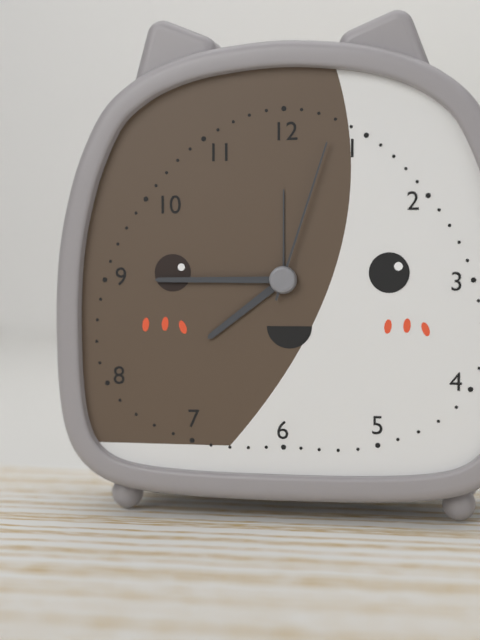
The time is h=7 m=45 s=3
